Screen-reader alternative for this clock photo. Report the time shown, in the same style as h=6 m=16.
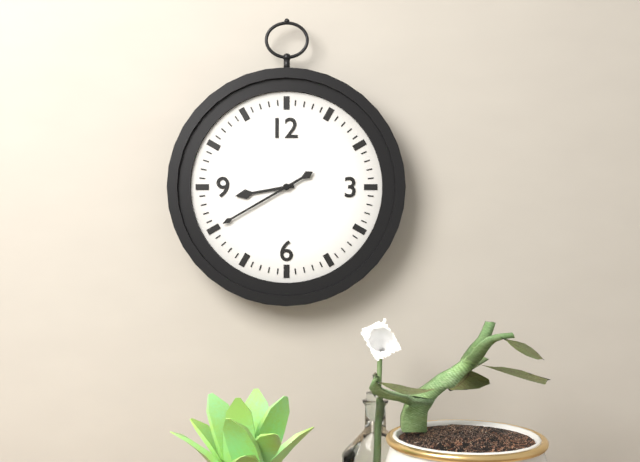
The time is h=8 m=40
